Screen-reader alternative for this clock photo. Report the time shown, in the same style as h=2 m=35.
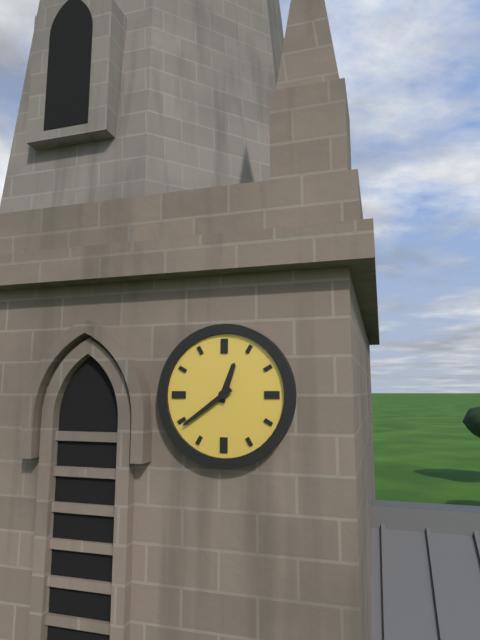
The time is h=12 m=39
